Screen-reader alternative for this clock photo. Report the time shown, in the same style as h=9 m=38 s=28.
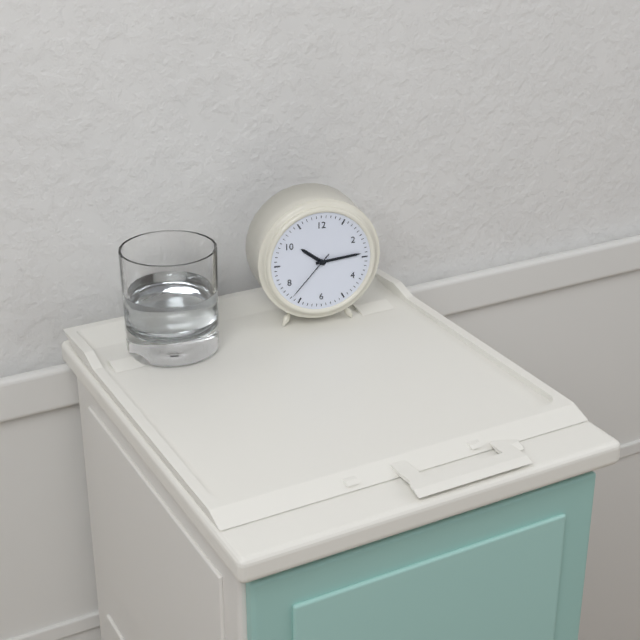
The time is h=10 m=14 s=37
